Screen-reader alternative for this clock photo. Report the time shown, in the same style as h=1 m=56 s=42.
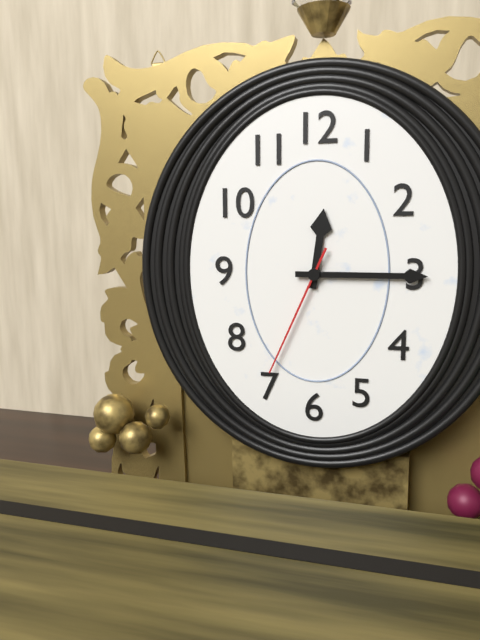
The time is h=12 m=15 s=34
